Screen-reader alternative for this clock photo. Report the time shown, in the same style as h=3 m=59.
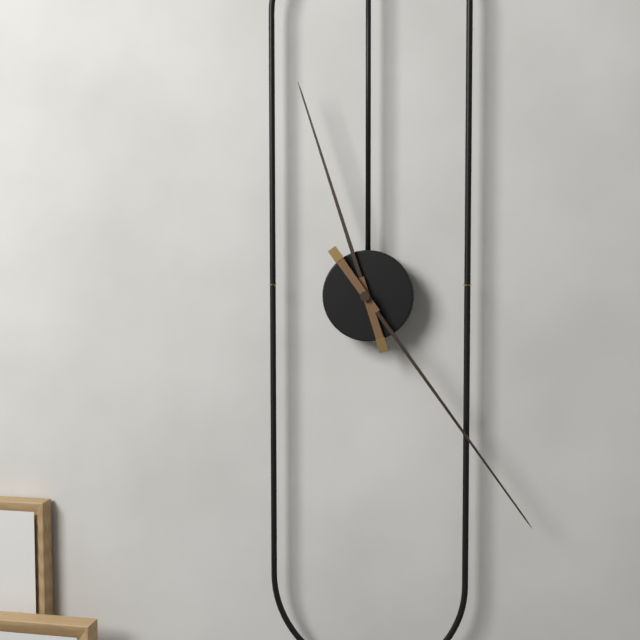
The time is h=11 m=24
